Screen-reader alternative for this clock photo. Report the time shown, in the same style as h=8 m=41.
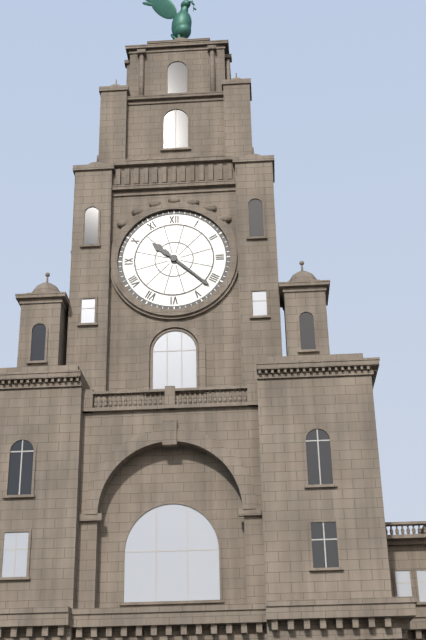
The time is h=10 m=22
